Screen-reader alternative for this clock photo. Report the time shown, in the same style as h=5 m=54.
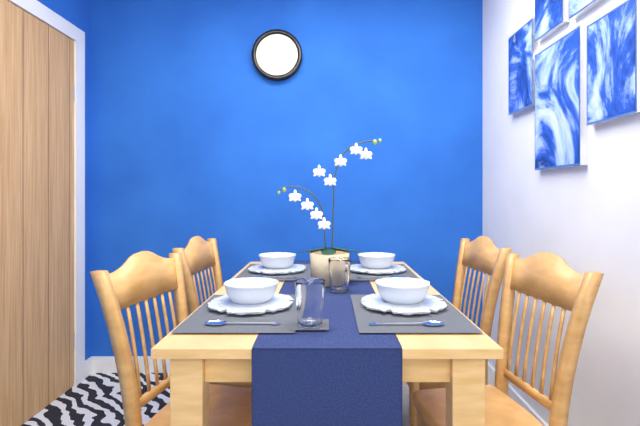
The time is h=5 m=56
